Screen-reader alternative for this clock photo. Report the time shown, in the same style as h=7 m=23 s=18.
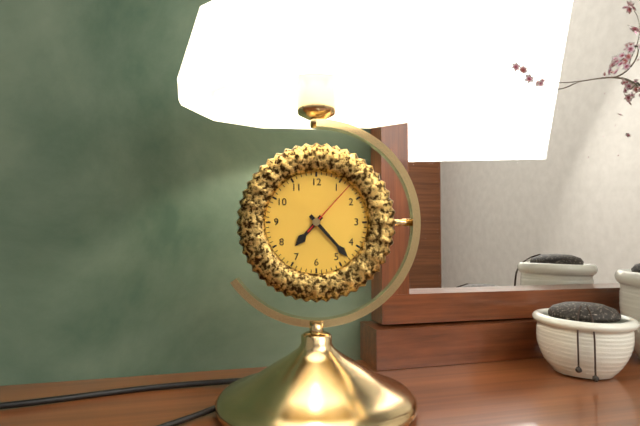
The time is h=7 m=23 s=7
